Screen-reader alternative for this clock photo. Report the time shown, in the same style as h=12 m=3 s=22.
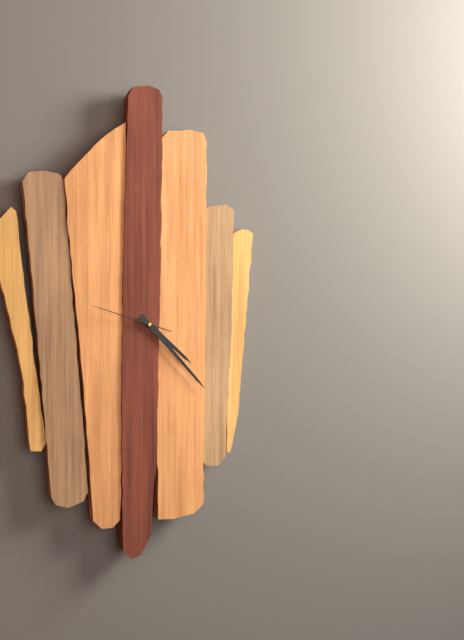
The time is h=4 m=23 s=48
